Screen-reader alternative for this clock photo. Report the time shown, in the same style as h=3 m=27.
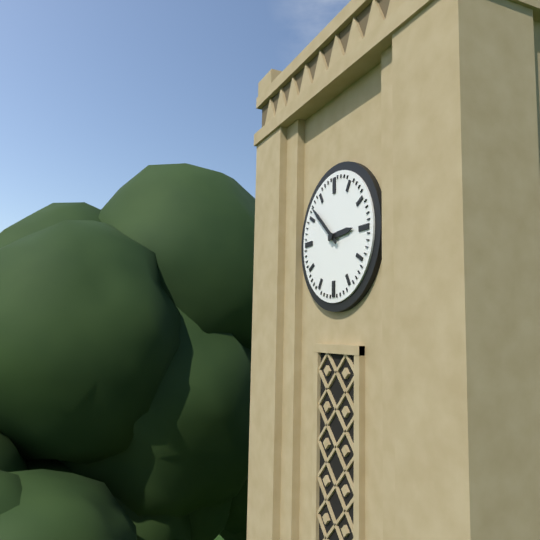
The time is h=2 m=52
